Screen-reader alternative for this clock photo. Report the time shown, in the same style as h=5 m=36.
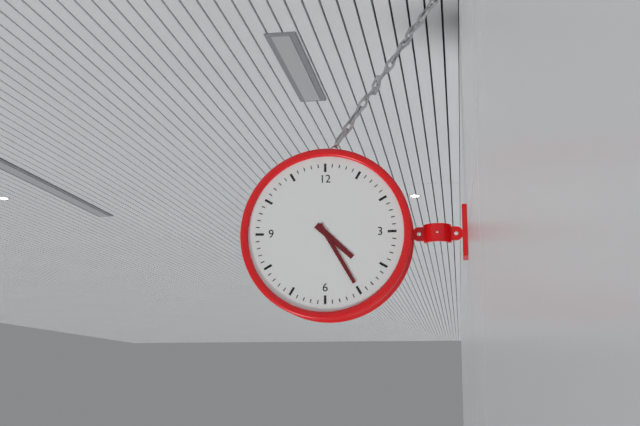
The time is h=4 m=25
